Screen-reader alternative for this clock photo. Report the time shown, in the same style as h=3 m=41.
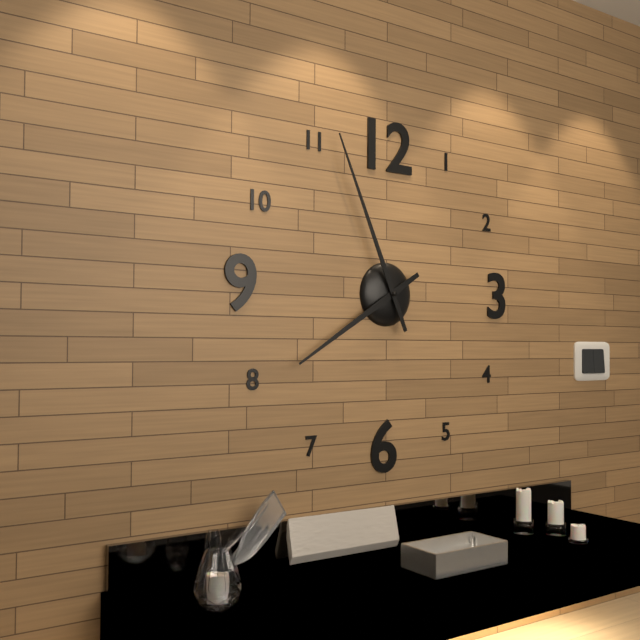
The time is h=7 m=56
